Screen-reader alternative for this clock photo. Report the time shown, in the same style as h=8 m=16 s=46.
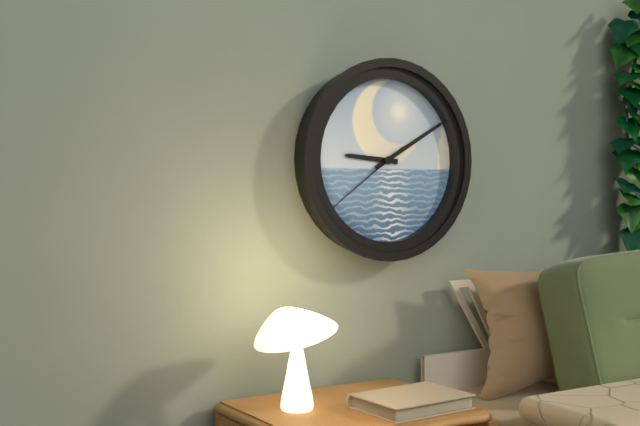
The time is h=9 m=10 s=39
